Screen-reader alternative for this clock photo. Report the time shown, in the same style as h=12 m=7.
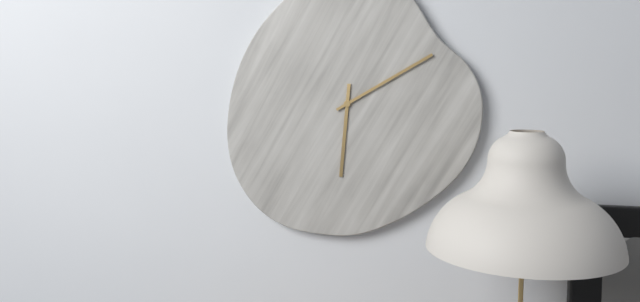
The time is h=6 m=10
